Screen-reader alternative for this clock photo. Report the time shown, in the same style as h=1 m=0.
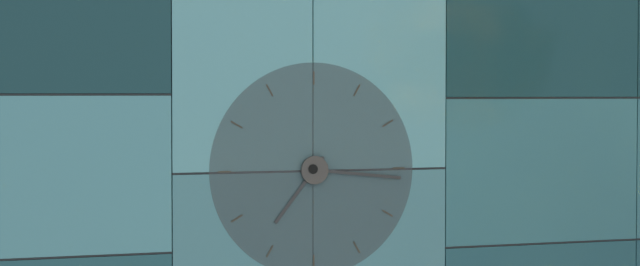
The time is h=7 m=16
